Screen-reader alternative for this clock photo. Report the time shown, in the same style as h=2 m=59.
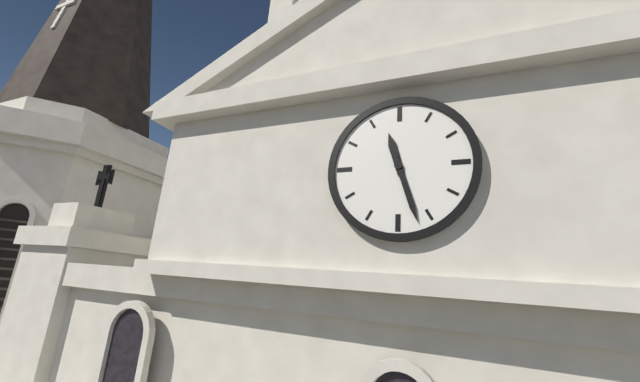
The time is h=11 m=27
